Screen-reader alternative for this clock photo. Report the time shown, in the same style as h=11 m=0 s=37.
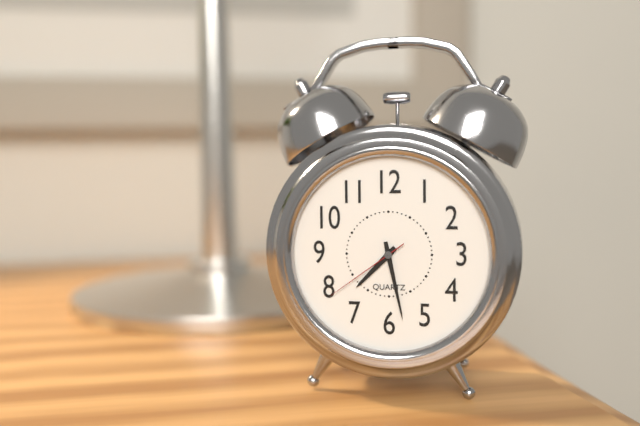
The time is h=7 m=28 s=39
